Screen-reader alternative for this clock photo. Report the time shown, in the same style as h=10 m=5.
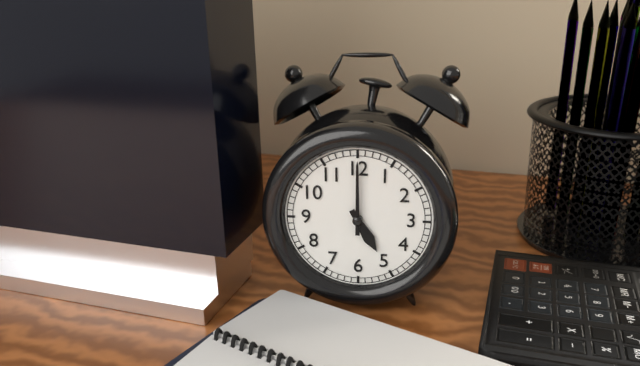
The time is h=5 m=0
